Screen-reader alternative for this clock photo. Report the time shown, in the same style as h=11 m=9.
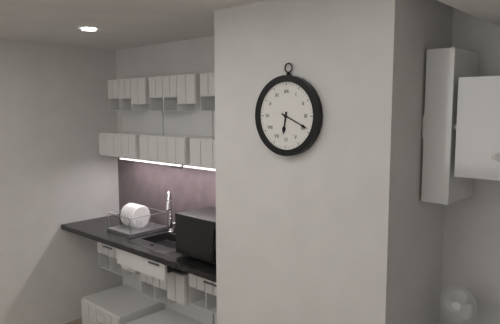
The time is h=6 m=19
